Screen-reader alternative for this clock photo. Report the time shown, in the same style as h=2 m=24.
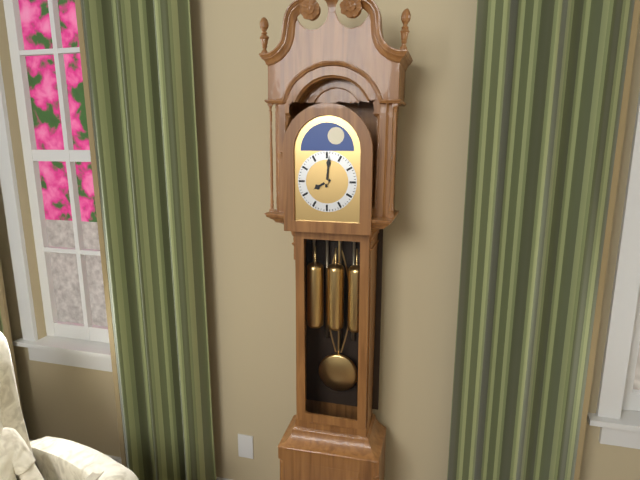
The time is h=8 m=1
